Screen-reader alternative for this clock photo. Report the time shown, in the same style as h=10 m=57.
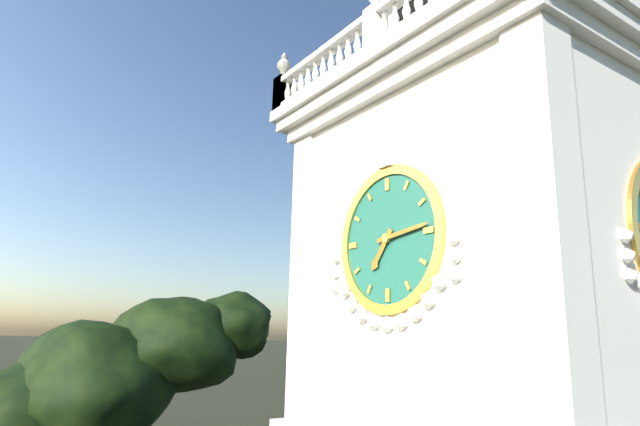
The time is h=7 m=14
